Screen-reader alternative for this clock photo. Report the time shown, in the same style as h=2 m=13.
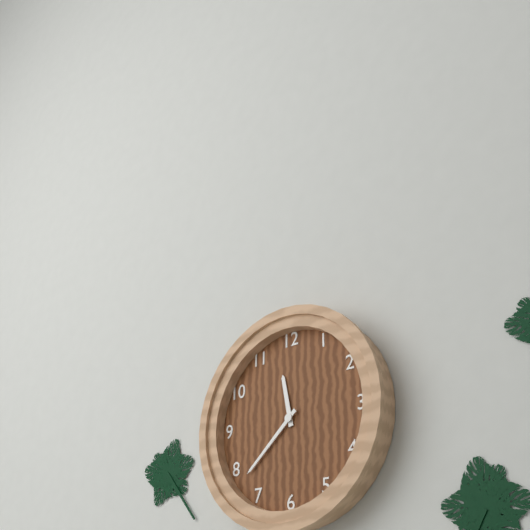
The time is h=11 m=38
